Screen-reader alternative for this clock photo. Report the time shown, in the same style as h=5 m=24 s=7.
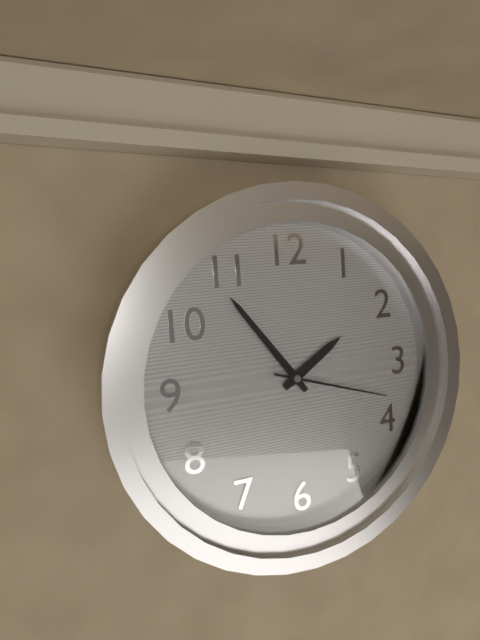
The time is h=1 m=54 s=18
